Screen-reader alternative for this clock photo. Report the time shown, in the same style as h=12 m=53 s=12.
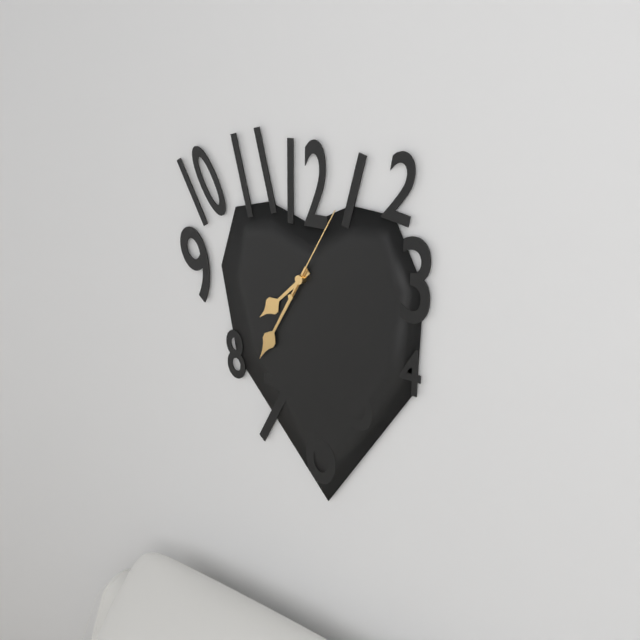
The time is h=7 m=35 s=5
